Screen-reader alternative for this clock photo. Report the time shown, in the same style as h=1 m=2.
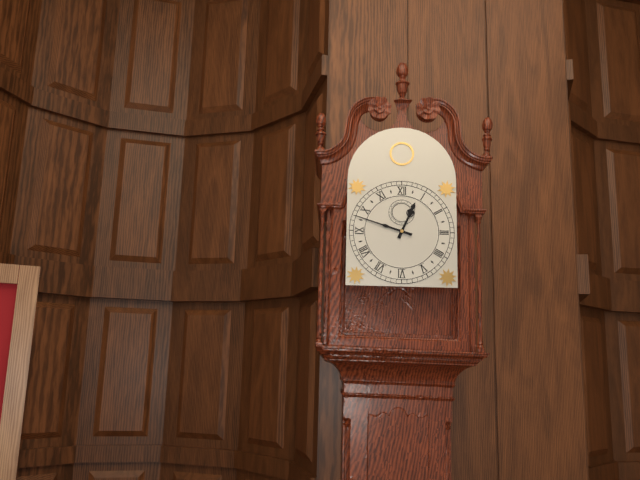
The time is h=12 m=48
